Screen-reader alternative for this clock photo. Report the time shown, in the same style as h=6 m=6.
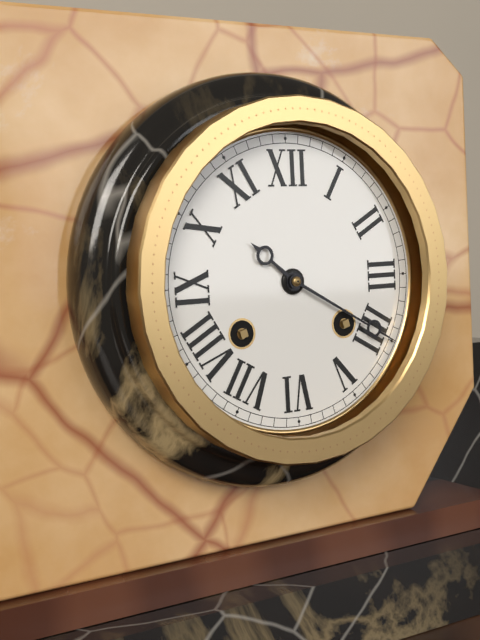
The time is h=10 m=20
